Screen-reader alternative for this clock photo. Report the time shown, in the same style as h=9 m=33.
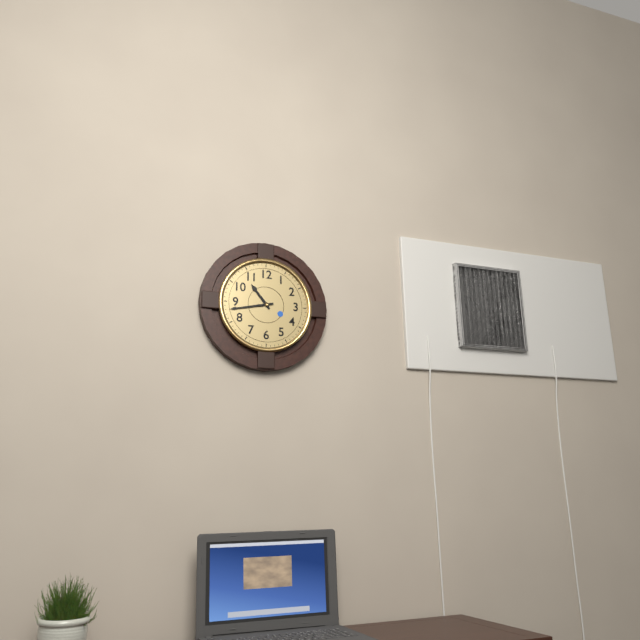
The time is h=10 m=43
